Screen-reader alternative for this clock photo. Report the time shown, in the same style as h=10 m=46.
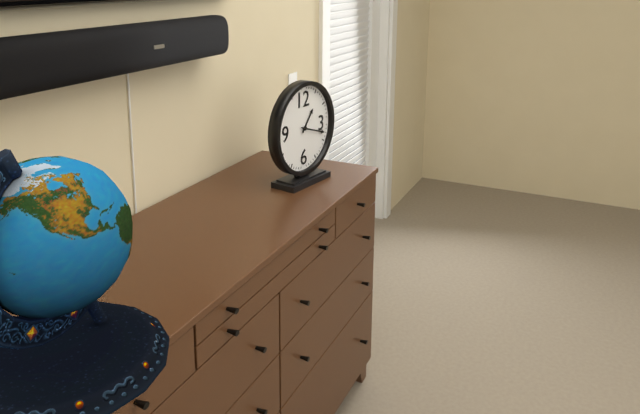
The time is h=1 m=18
